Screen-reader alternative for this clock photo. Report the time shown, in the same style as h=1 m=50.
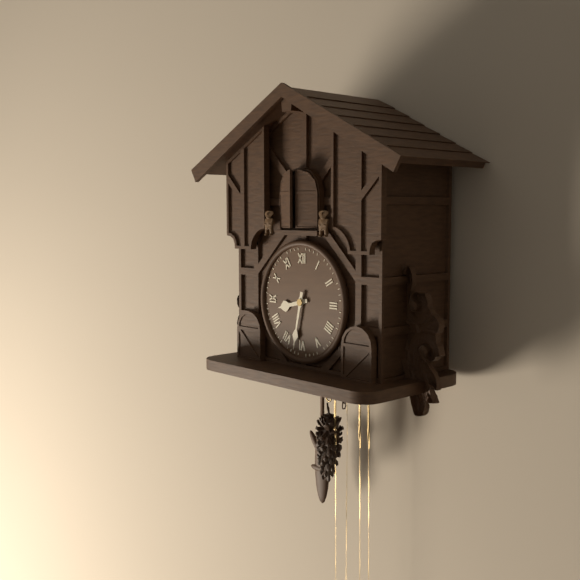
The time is h=8 m=32
